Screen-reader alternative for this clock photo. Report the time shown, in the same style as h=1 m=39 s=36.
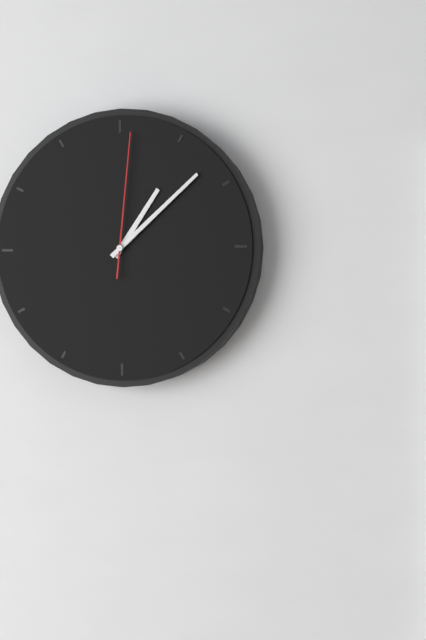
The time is h=1 m=8 s=1
